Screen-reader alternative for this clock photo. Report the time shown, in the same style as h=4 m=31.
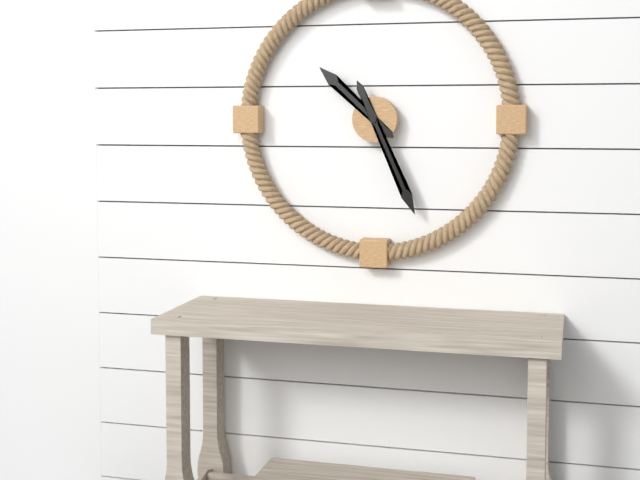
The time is h=10 m=26
